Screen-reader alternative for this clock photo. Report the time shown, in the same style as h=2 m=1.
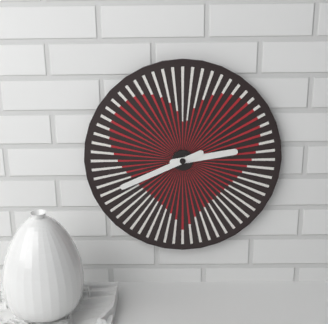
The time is h=2 m=41
